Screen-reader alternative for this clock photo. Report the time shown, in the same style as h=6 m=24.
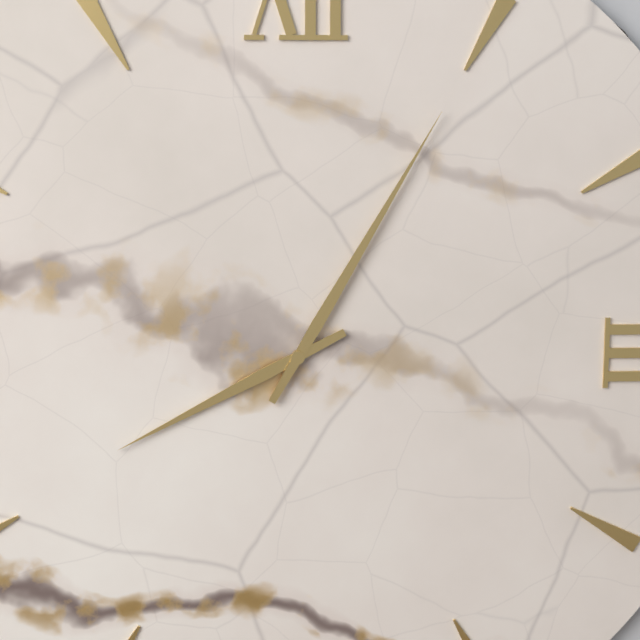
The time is h=8 m=5
